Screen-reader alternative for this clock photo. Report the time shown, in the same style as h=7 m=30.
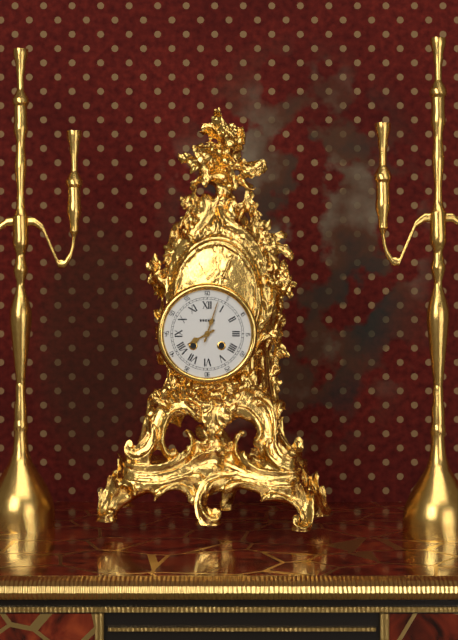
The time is h=8 m=3
